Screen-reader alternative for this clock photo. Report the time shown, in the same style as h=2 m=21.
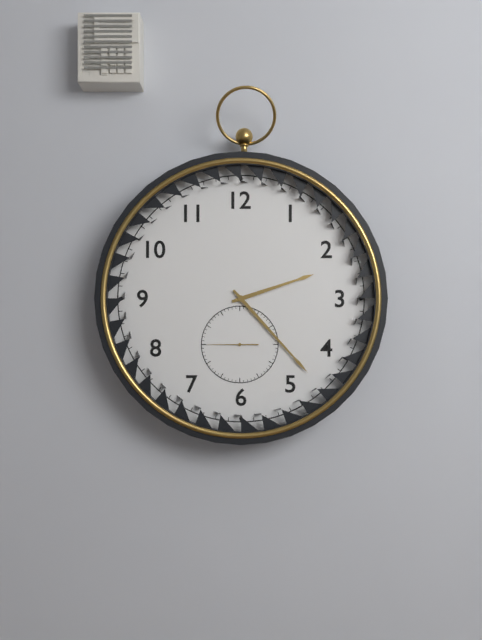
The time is h=2 m=23
